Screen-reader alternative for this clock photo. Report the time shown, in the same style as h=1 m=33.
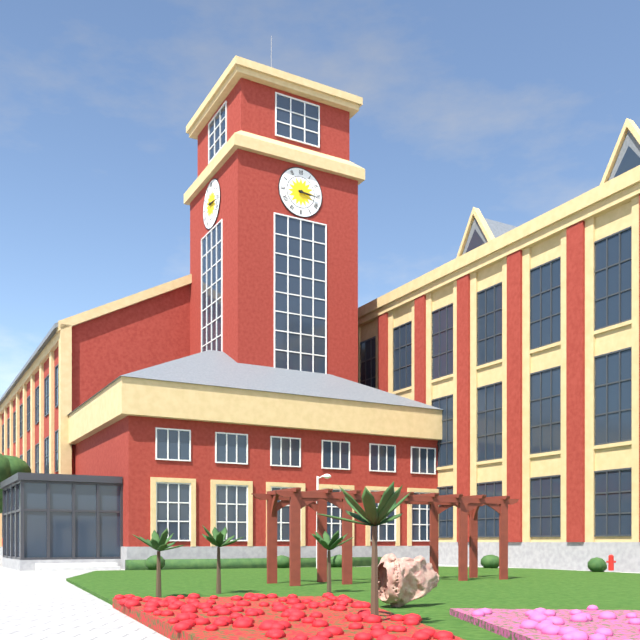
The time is h=3 m=16
